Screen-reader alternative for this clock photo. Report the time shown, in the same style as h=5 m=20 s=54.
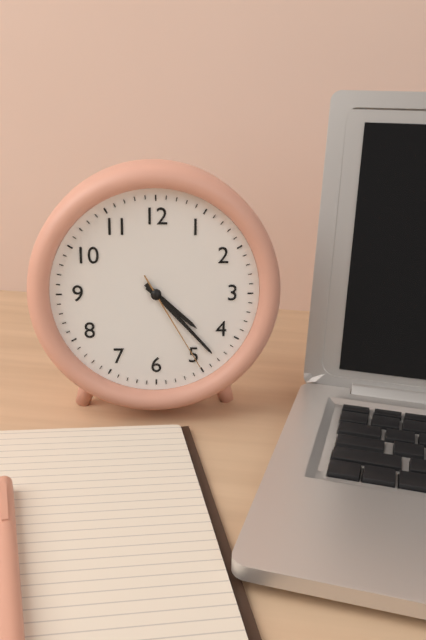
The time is h=4 m=23 s=25
